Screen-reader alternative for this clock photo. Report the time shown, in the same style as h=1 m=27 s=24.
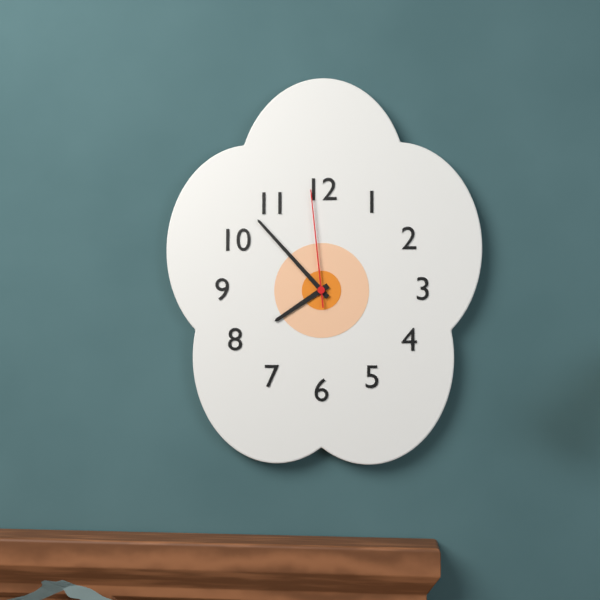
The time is h=7 m=53 s=59
